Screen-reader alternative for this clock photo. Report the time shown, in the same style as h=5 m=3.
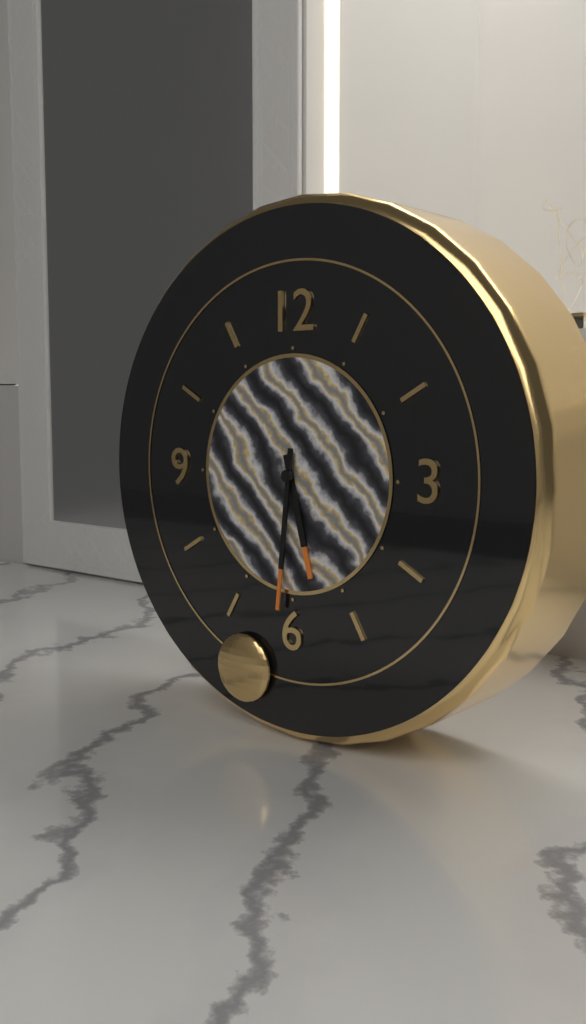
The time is h=5 m=31
